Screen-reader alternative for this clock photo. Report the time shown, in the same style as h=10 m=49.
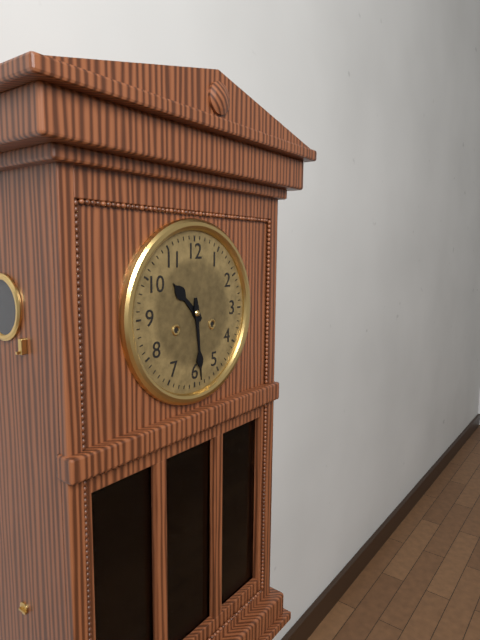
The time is h=10 m=29
